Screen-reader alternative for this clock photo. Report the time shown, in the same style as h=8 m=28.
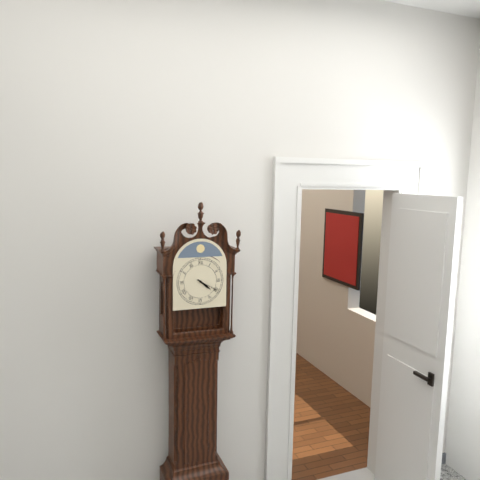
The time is h=4 m=20
